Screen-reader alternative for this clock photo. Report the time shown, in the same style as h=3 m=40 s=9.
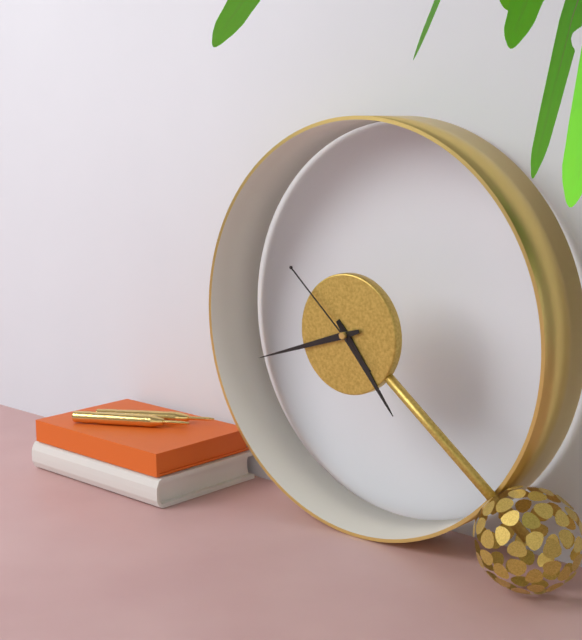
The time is h=4 m=42 s=52
